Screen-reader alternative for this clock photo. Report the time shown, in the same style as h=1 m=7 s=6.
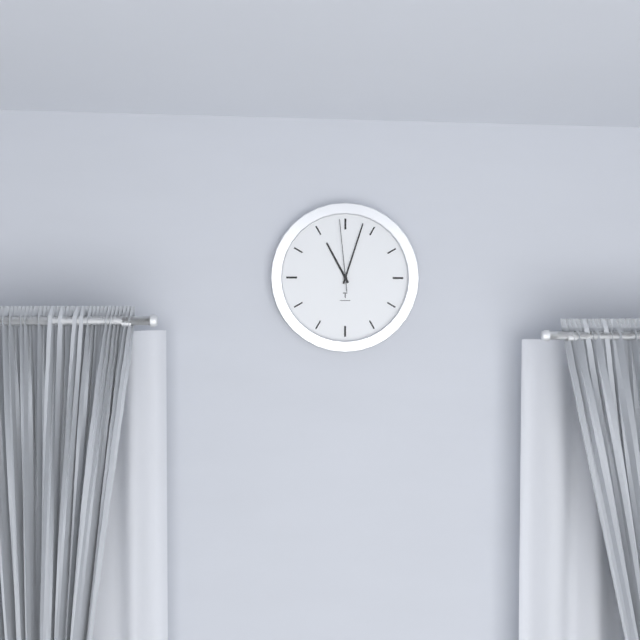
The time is h=11 m=3 s=59
